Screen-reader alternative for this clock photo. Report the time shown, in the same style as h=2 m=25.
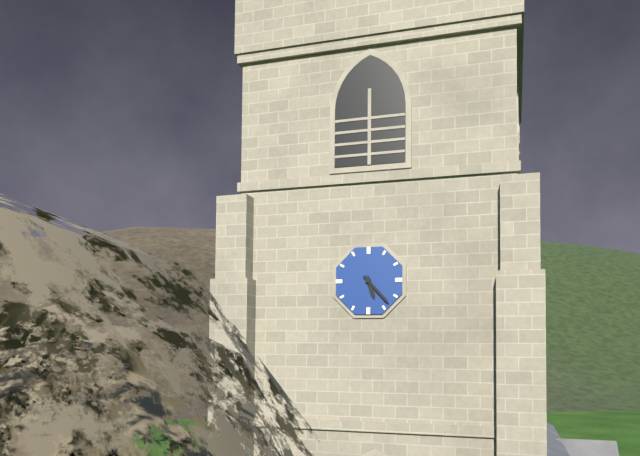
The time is h=5 m=23
